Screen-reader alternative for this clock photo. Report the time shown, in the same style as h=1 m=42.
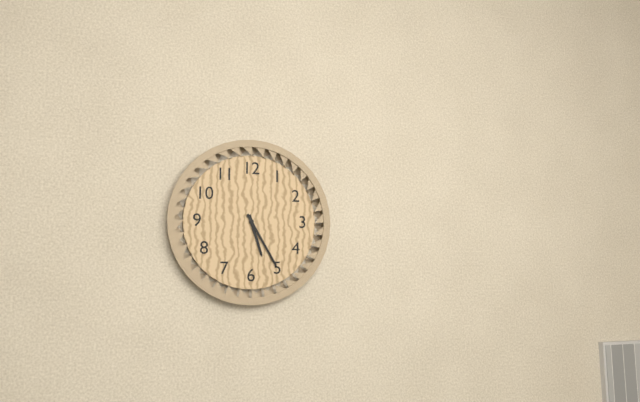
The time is h=5 m=25
